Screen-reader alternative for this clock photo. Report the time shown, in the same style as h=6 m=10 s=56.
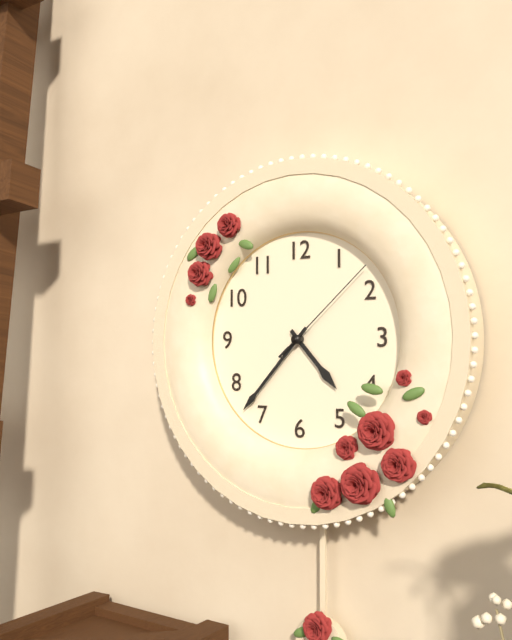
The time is h=4 m=37 s=8
